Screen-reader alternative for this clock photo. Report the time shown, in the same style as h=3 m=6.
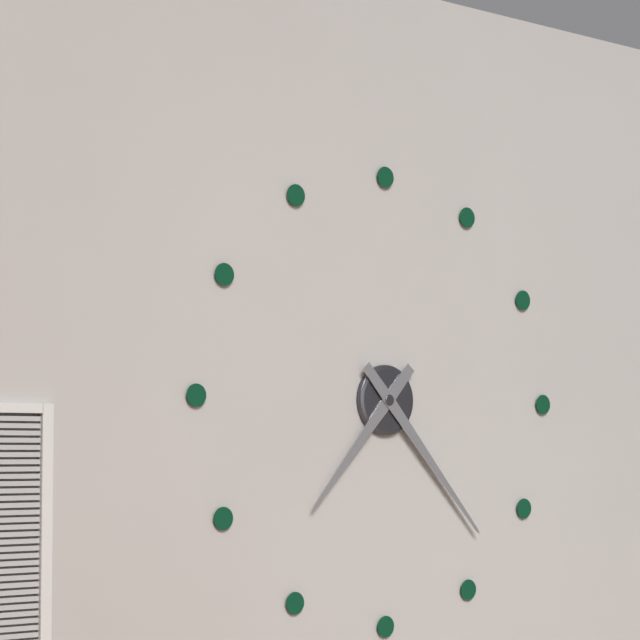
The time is h=7 m=23
